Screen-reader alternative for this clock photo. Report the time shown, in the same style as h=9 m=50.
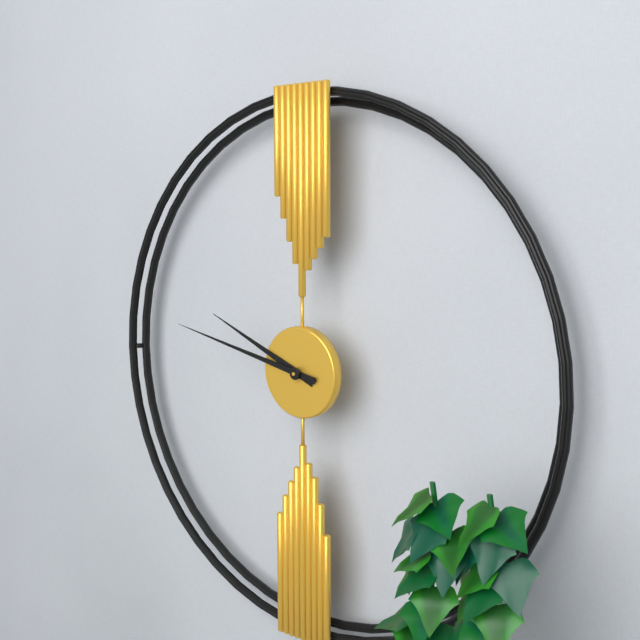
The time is h=9 m=47
